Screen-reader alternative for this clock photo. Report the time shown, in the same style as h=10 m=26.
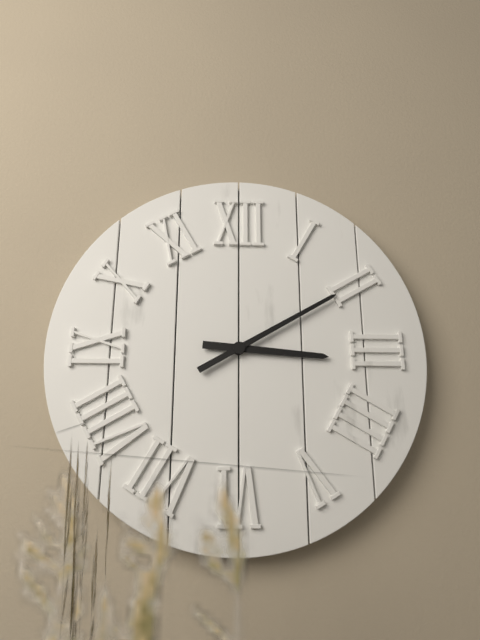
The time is h=3 m=10
